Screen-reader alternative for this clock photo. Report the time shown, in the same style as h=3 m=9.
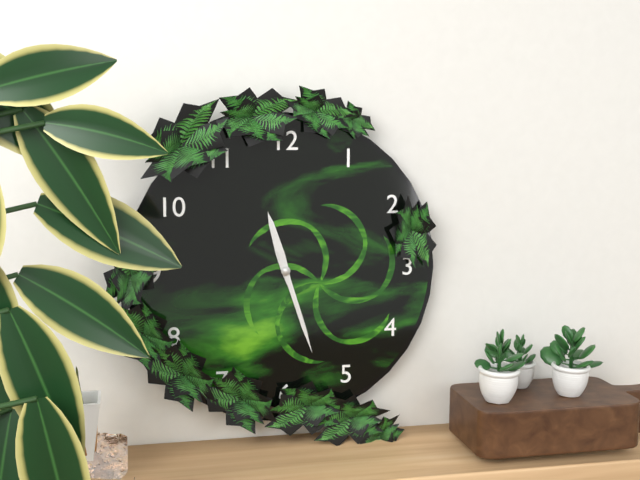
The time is h=11 m=27
